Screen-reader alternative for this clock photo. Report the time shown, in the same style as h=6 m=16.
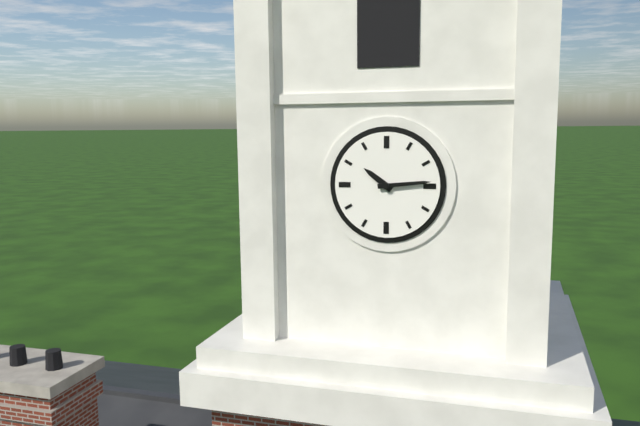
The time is h=10 m=14
